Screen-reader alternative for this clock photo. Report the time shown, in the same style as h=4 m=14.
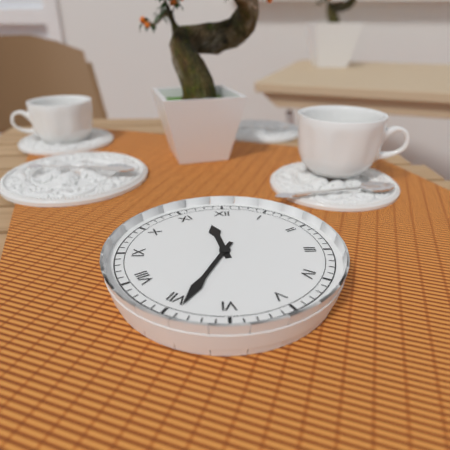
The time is h=11 m=34
